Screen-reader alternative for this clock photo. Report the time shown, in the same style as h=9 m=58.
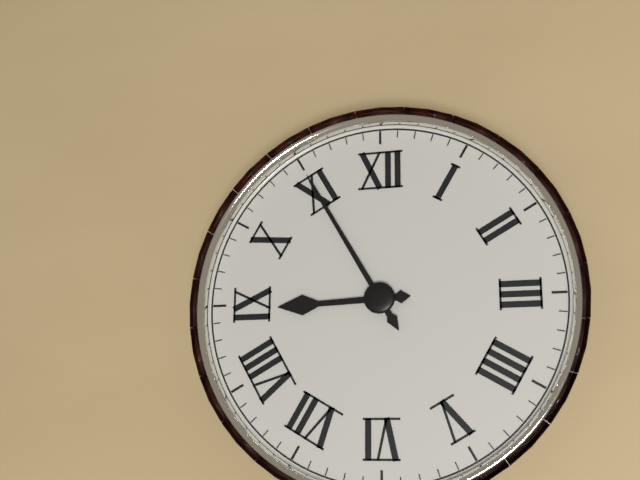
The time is h=8 m=55
